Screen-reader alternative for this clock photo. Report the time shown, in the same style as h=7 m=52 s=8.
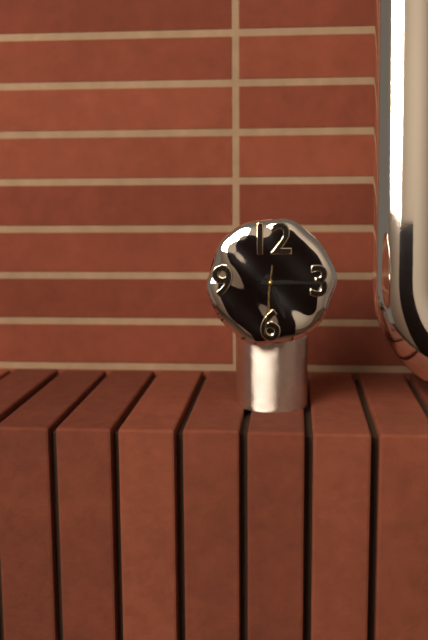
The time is h=5 m=15 s=31
